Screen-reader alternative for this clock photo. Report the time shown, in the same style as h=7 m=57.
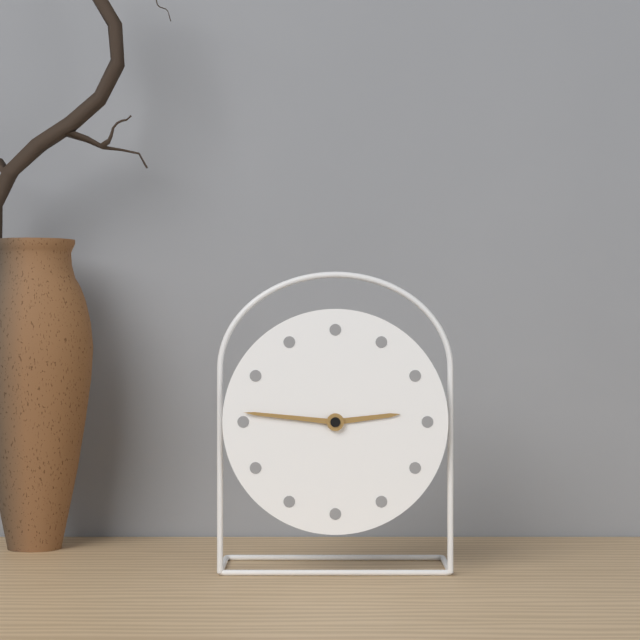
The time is h=2 m=46
